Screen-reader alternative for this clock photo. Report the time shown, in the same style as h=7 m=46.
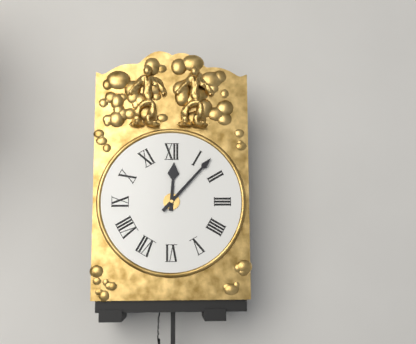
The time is h=12 m=7
